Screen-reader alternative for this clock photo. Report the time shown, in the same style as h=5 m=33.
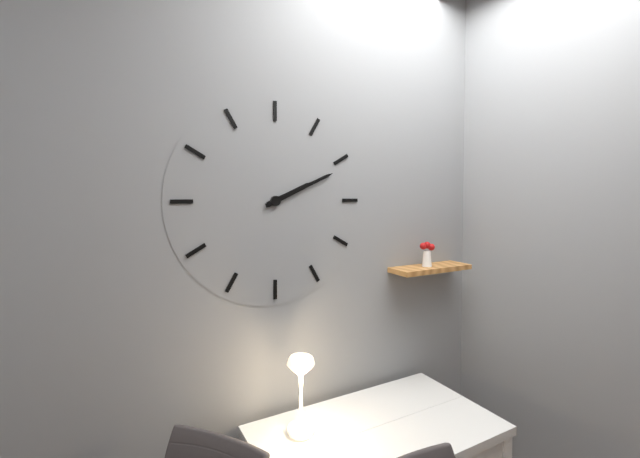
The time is h=2 m=11
